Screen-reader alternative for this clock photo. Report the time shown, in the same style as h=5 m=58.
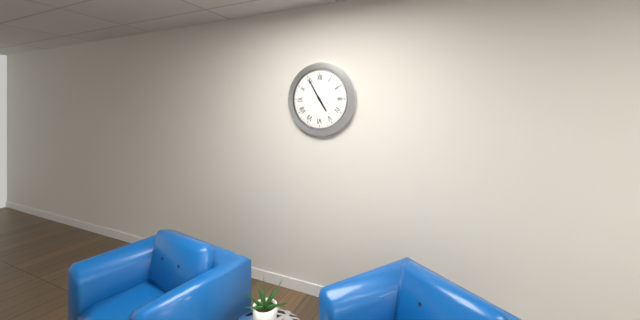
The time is h=4 m=55
